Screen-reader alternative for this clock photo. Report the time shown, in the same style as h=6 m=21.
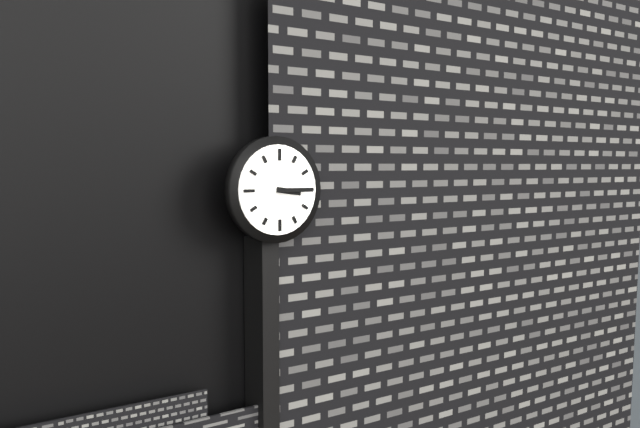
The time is h=3 m=15
